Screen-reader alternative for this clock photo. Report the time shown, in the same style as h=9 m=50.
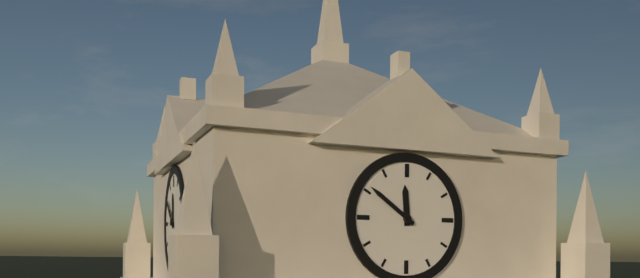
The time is h=11 m=51
